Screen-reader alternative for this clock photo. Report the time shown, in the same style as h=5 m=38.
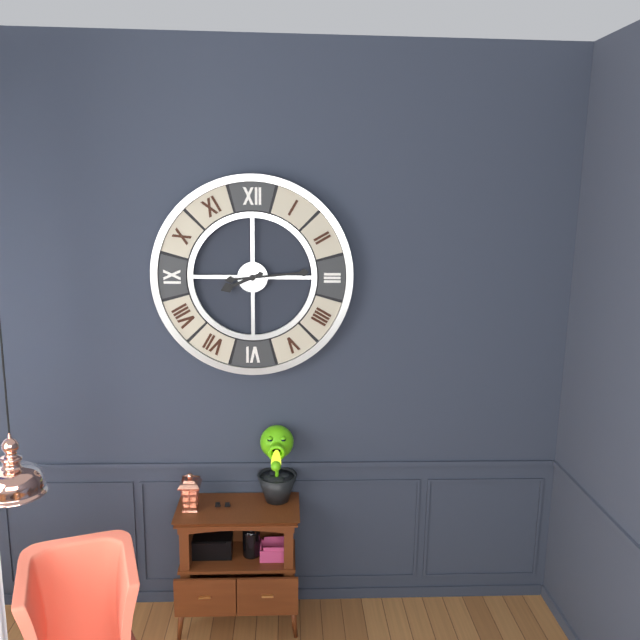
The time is h=8 m=14
